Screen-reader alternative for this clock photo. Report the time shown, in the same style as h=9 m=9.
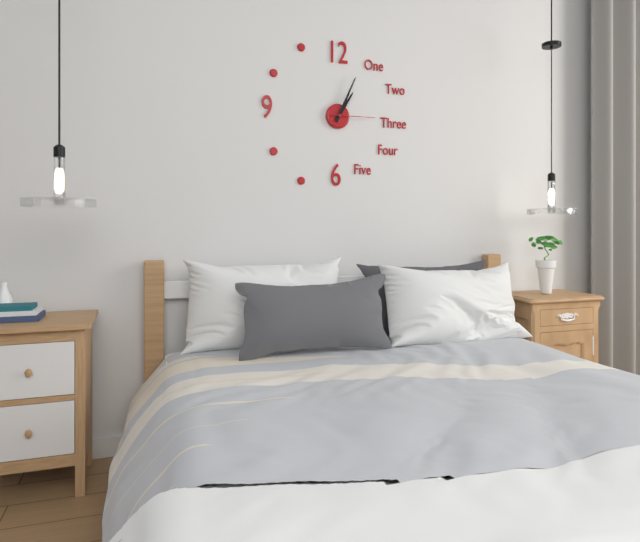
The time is h=1 m=4
